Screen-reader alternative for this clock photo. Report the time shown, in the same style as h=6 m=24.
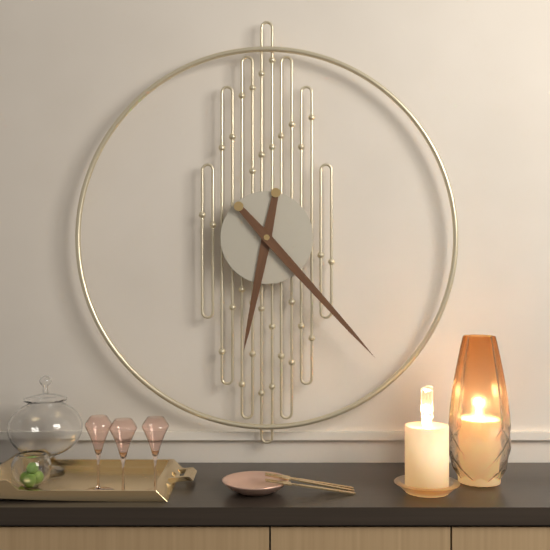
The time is h=6 m=23
